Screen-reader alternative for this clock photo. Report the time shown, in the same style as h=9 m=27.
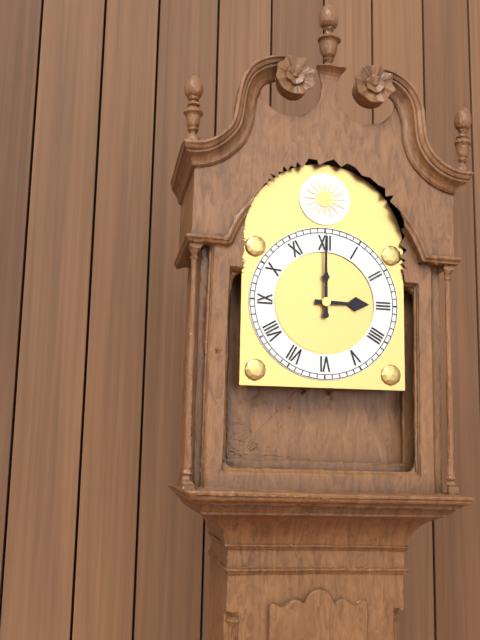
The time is h=3 m=0
